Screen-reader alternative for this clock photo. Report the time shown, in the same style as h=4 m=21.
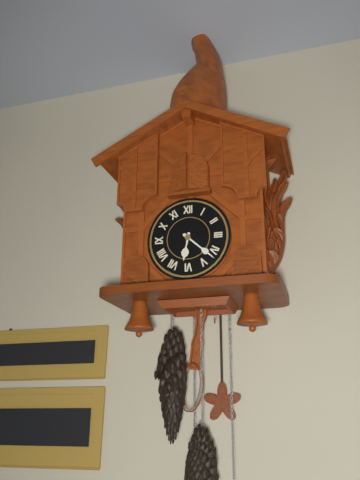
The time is h=6 m=22
